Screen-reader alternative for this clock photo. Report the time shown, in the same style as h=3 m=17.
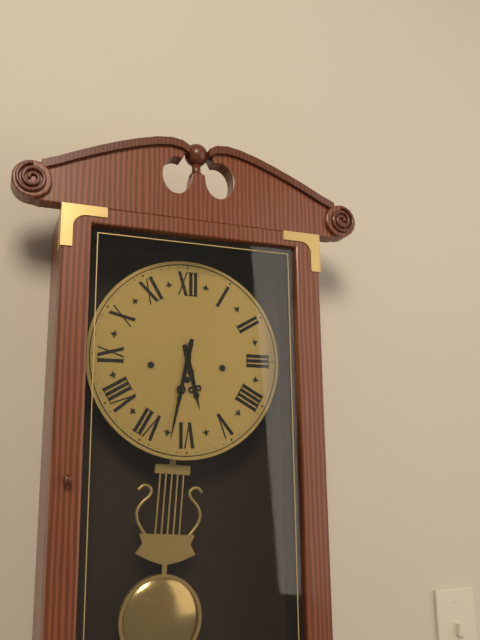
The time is h=5 m=32
